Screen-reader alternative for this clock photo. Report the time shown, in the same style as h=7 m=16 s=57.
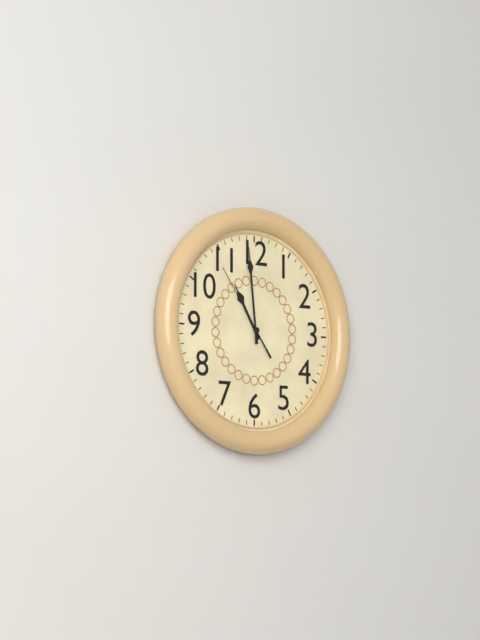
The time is h=10 m=59 s=54
